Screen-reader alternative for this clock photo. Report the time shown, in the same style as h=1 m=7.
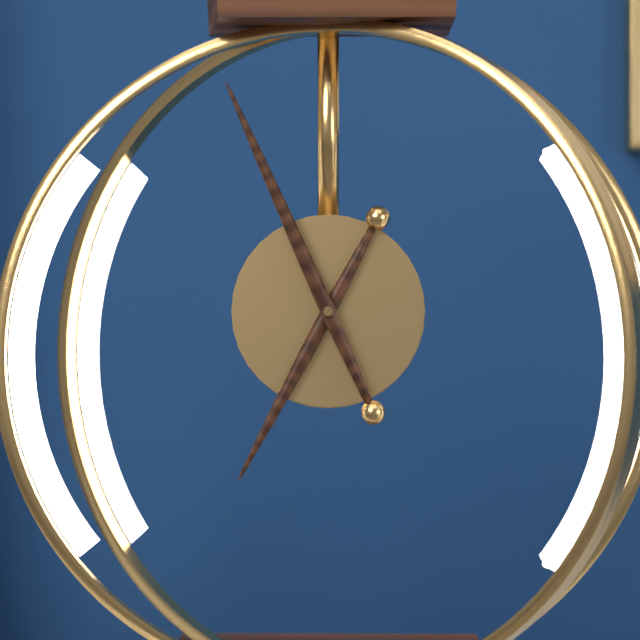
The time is h=6 m=56
